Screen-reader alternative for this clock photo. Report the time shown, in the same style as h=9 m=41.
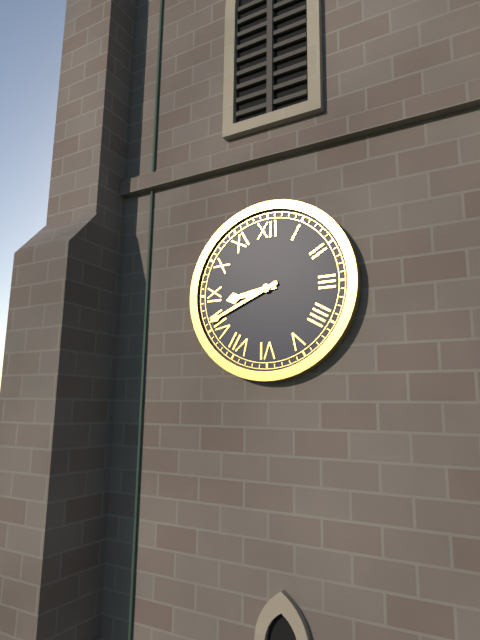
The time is h=8 m=41
